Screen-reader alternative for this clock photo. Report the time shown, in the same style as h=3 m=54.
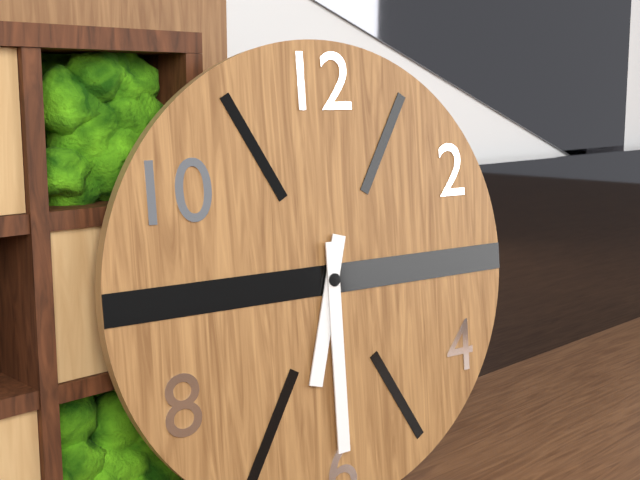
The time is h=6 m=30
